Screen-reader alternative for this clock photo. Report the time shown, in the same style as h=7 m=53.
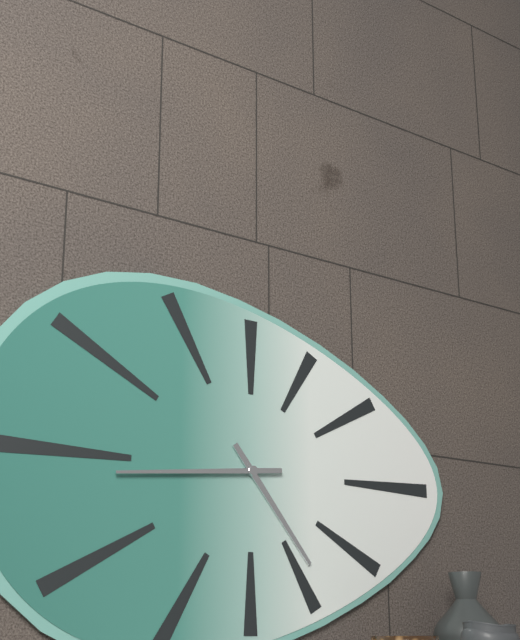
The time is h=4 m=44
